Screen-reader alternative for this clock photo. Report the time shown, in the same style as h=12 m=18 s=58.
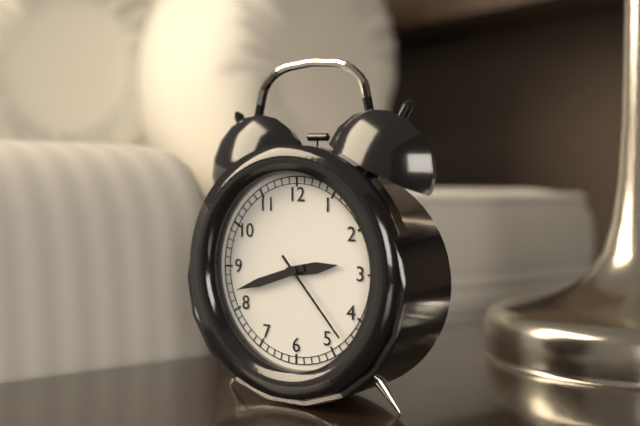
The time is h=2 m=42 s=23
